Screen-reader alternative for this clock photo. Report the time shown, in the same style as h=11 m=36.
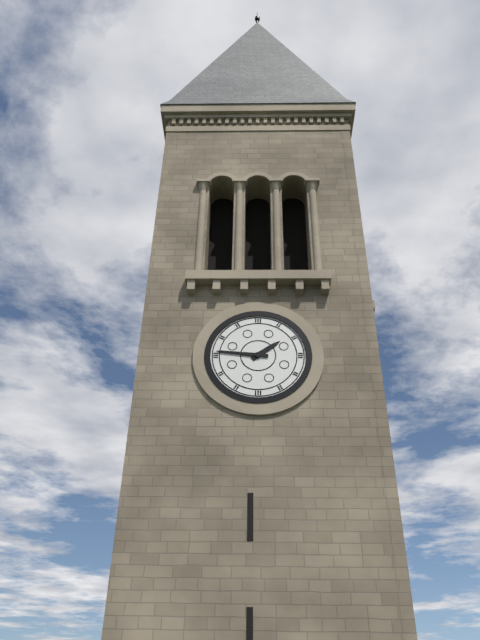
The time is h=1 m=46
